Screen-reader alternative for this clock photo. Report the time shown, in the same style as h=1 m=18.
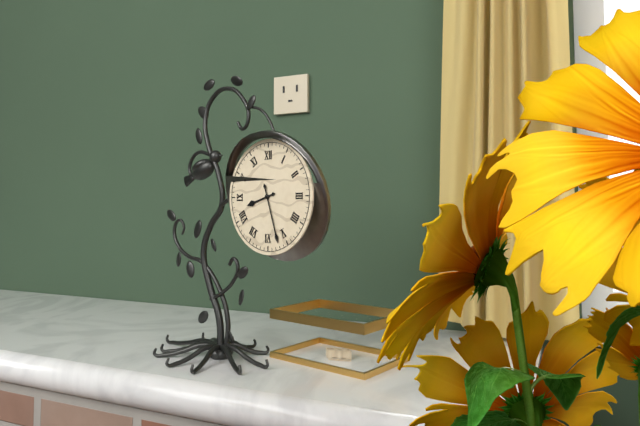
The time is h=8 m=27
